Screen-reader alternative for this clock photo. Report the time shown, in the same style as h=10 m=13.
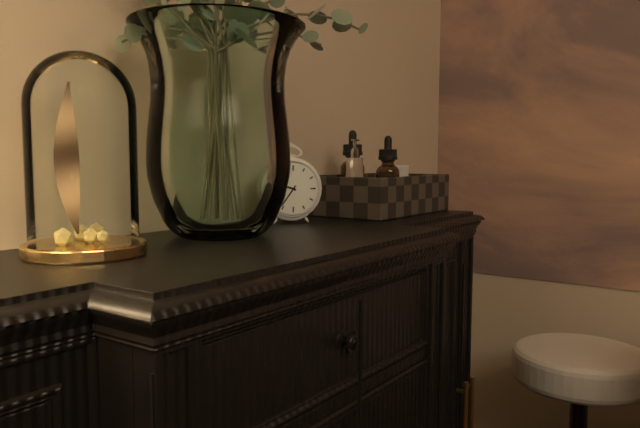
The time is h=9 m=36
